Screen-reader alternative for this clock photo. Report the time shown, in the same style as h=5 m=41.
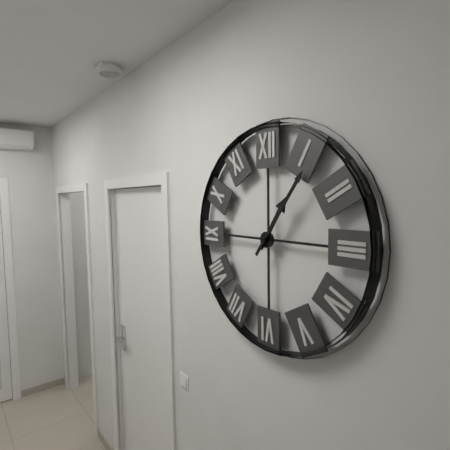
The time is h=1 m=6
